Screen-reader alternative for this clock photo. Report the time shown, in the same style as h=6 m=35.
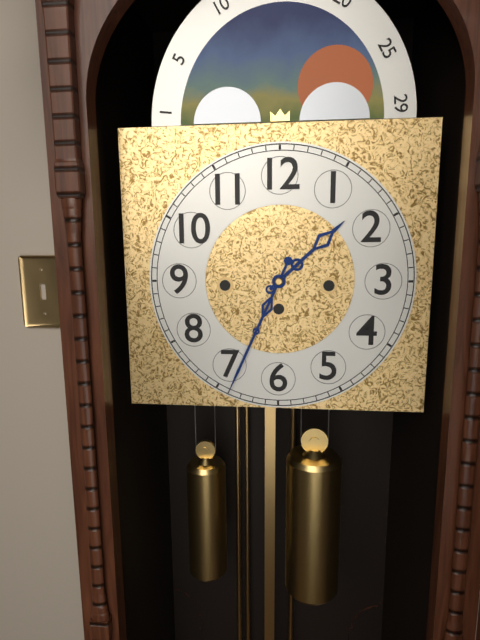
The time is h=1 m=34
